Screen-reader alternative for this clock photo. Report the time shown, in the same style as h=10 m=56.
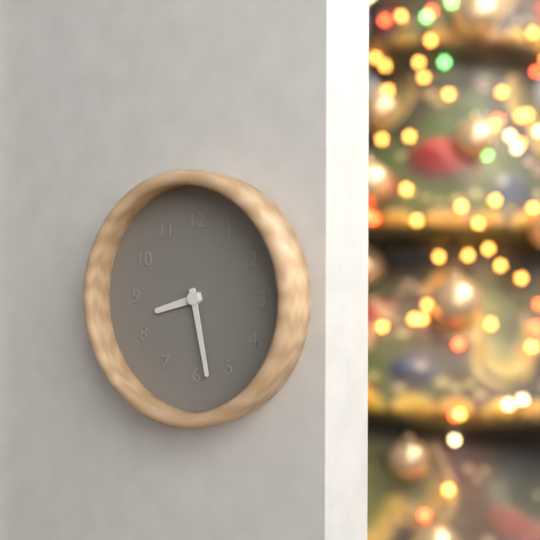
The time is h=8 m=28
